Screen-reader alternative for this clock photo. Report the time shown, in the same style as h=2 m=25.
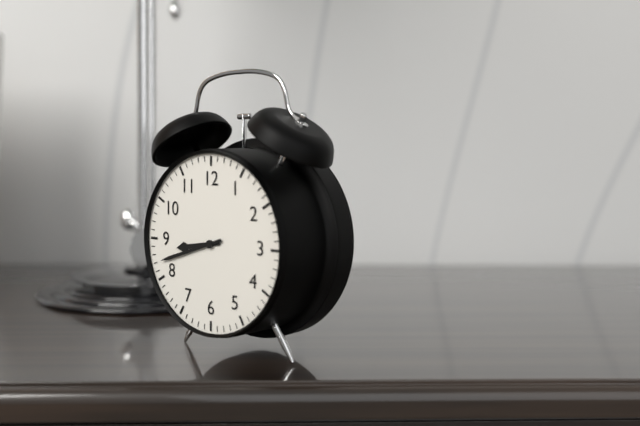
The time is h=8 m=42
